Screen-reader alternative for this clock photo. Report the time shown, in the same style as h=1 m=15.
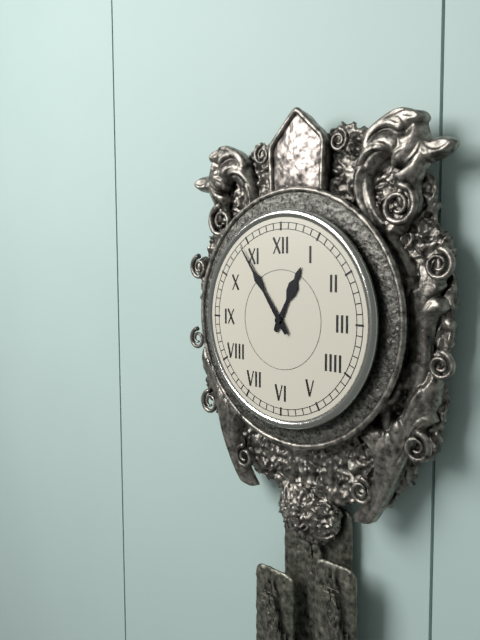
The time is h=12 m=54
